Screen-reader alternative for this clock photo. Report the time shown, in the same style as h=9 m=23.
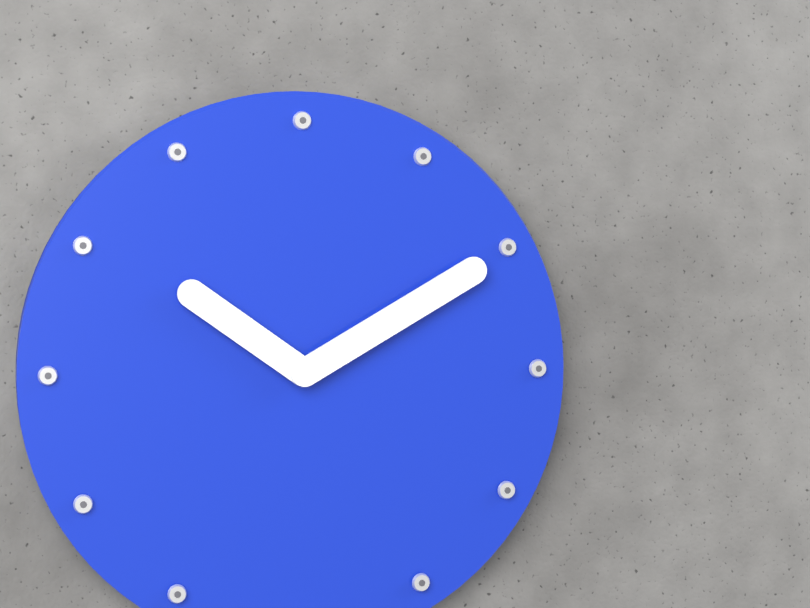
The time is h=10 m=10
